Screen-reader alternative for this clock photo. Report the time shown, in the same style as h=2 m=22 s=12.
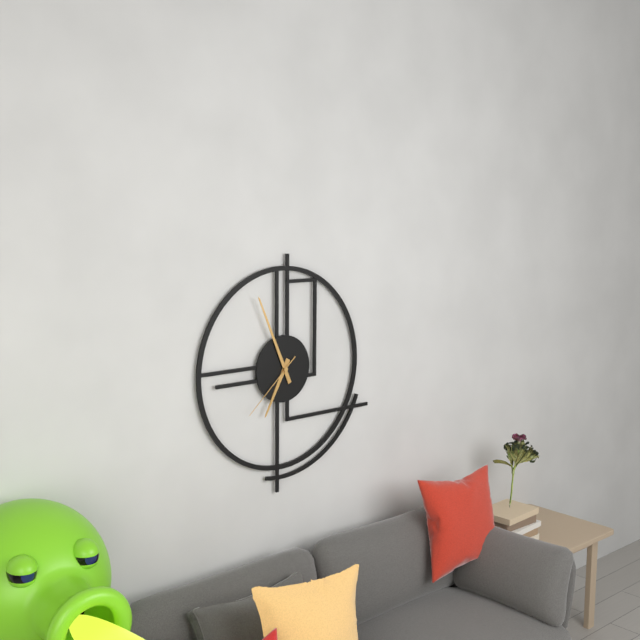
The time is h=6 m=56 s=38
